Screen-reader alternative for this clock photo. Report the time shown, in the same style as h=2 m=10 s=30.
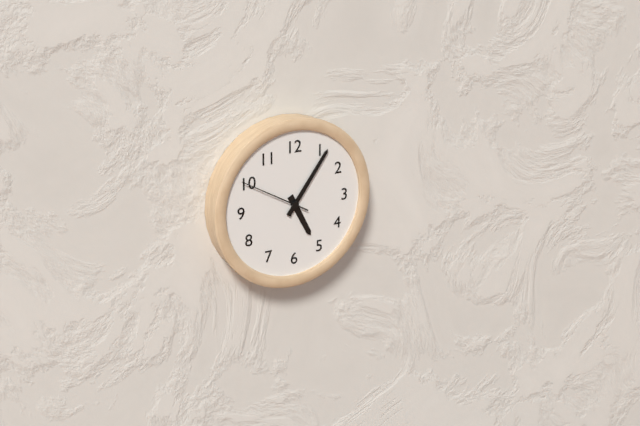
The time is h=5 m=6 s=50
